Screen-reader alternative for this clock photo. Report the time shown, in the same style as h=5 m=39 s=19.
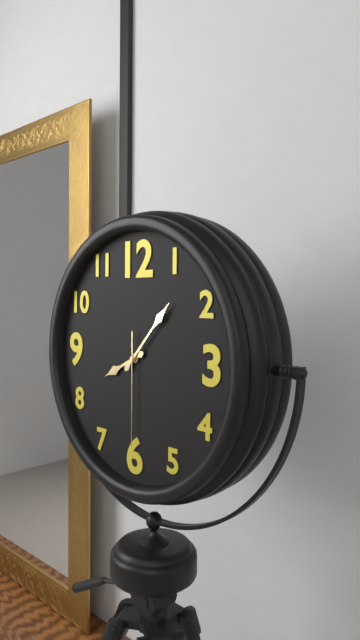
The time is h=8 m=7 s=30
